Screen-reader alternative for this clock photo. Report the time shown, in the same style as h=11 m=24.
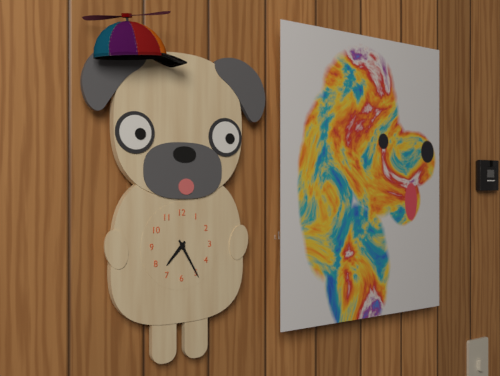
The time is h=7 m=25
